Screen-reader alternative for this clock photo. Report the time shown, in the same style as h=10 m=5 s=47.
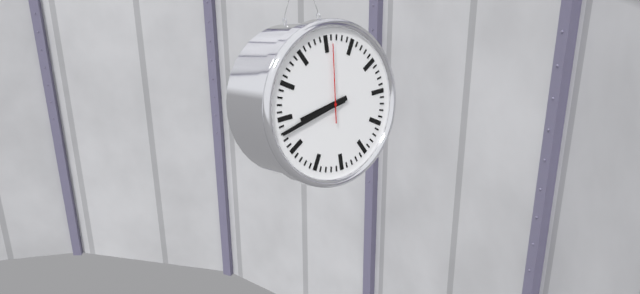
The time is h=8 m=43 s=1
